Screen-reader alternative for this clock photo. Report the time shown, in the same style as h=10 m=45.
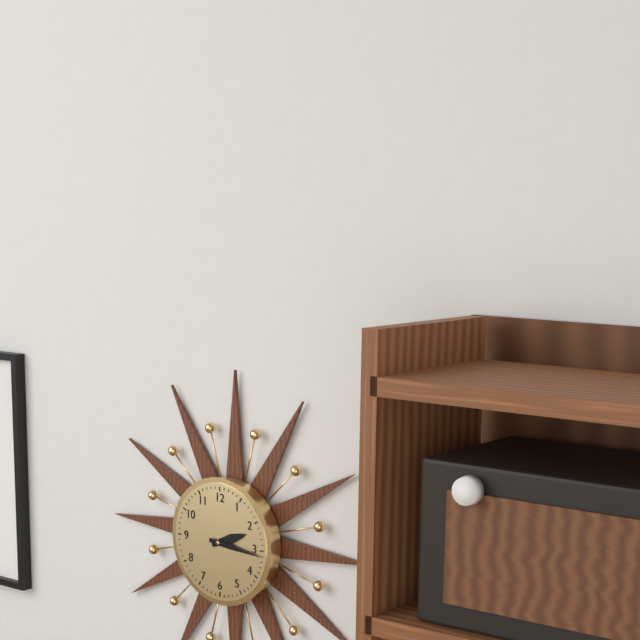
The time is h=2 m=16
